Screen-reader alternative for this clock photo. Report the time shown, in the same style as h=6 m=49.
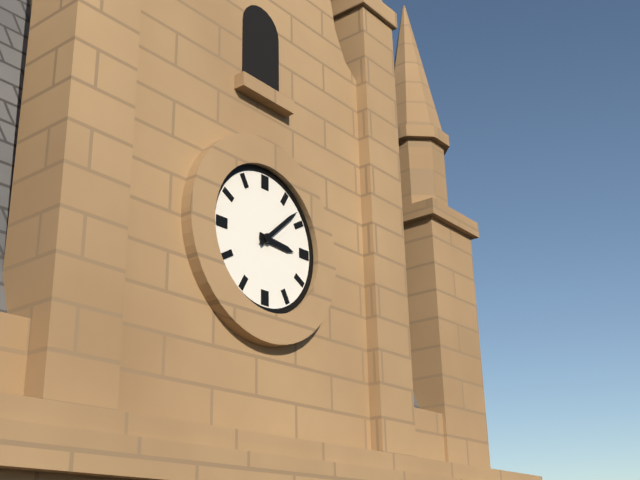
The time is h=3 m=8
